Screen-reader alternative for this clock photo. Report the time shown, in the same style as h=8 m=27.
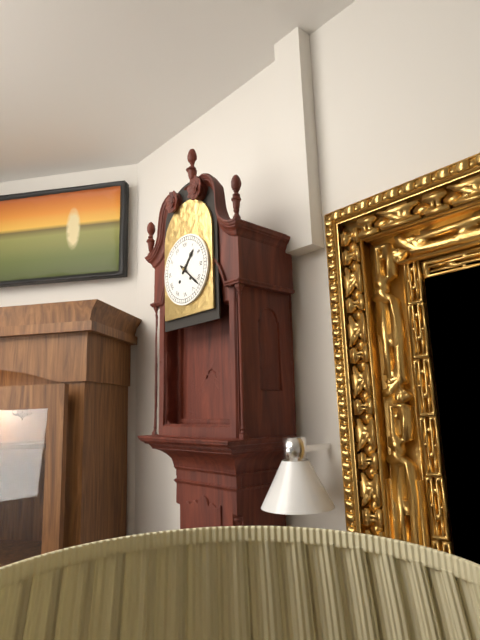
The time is h=1 m=22
